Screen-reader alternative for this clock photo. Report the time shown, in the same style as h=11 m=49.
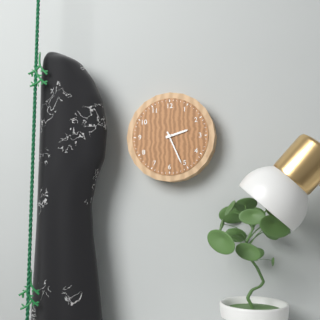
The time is h=2 m=26
